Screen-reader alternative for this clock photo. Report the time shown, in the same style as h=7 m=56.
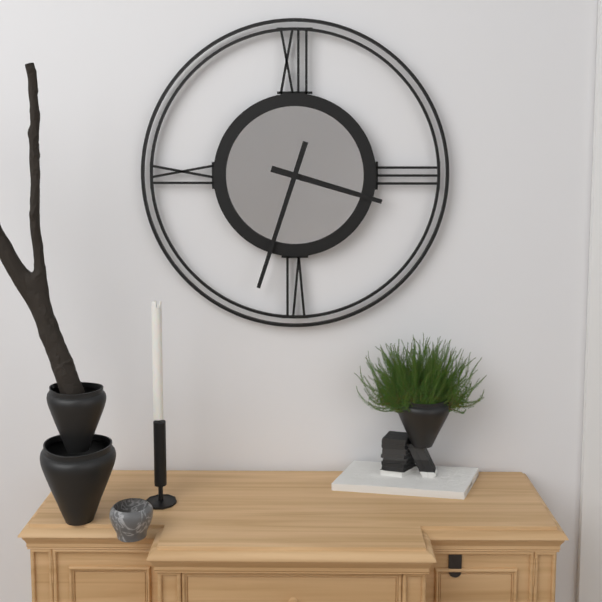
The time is h=3 m=33
